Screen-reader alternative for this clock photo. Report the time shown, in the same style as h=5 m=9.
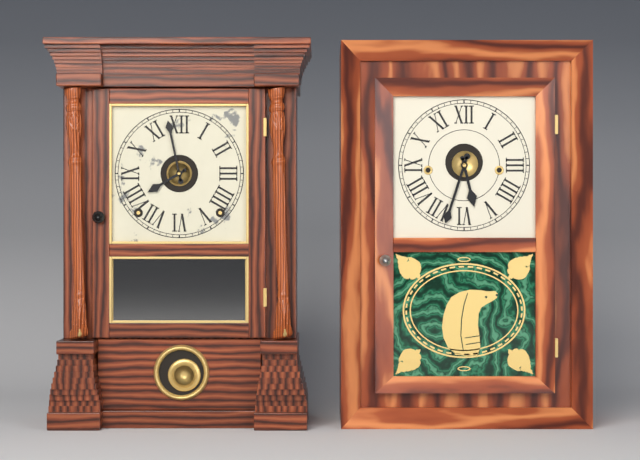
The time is h=7 m=58
